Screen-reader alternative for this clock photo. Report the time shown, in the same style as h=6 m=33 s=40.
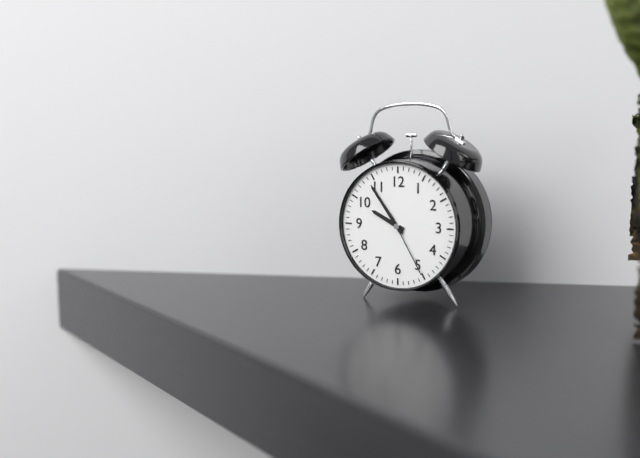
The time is h=9 m=54 s=25
